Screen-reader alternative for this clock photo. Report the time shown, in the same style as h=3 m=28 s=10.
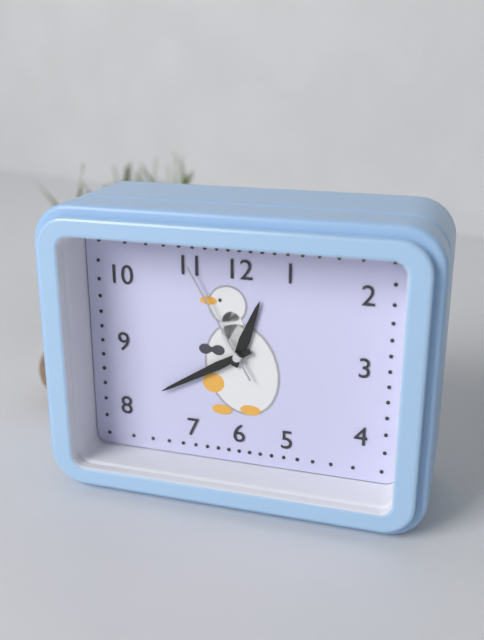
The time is h=12 m=40 s=55
